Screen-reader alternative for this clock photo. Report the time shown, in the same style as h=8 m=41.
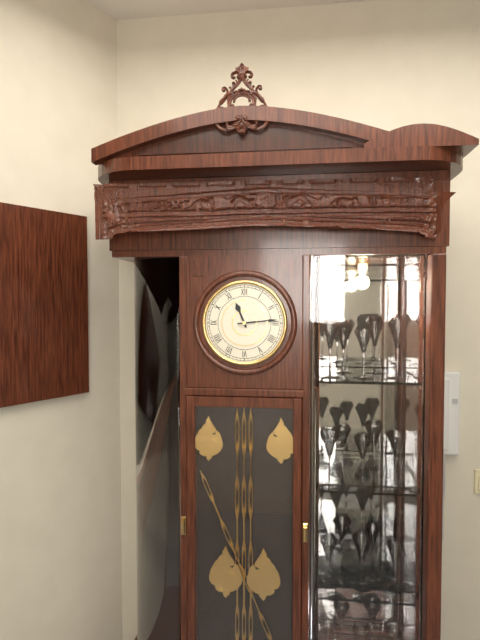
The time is h=11 m=14
